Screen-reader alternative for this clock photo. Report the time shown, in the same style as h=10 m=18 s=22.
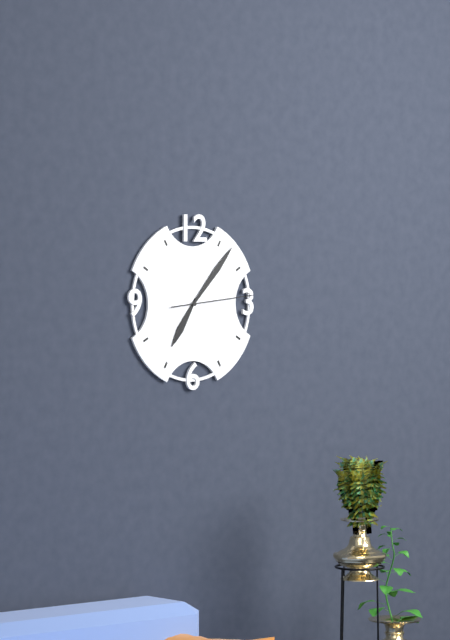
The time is h=7 m=7 s=14
